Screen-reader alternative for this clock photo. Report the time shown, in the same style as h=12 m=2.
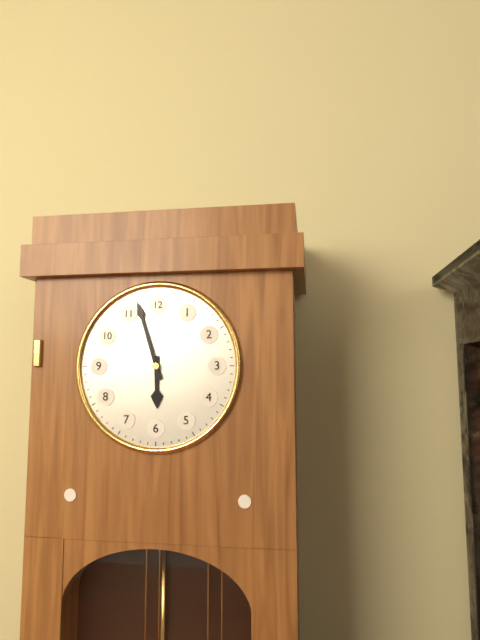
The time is h=5 m=57
